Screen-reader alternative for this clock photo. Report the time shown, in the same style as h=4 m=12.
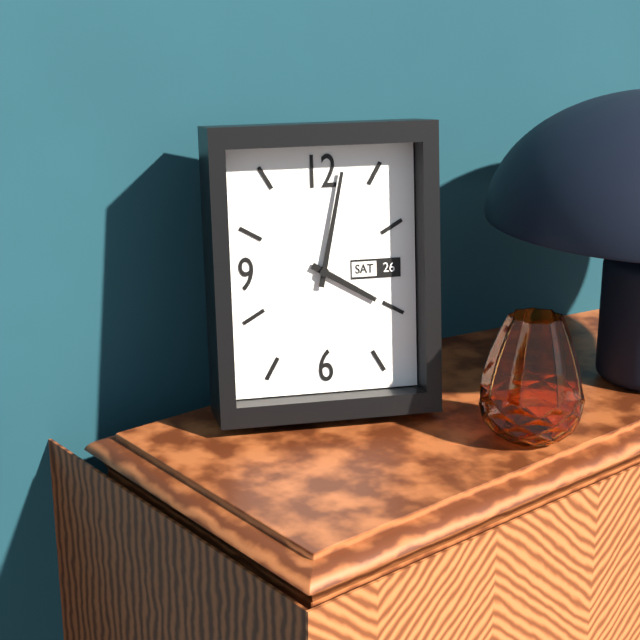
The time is h=4 m=2
